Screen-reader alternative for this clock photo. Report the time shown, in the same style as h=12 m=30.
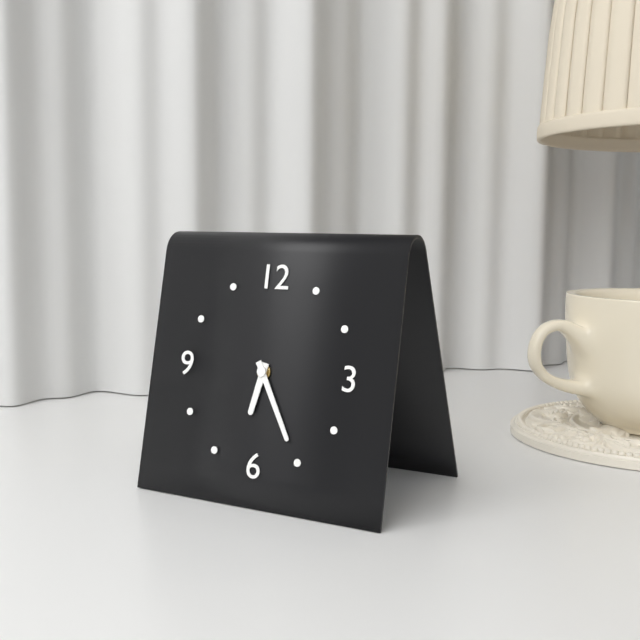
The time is h=6 m=25
